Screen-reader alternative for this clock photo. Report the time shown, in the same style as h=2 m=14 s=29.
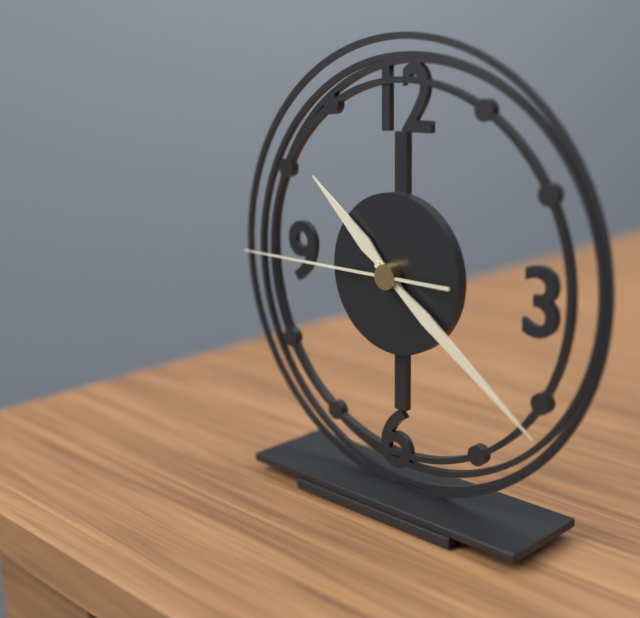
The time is h=10 m=21 s=45
